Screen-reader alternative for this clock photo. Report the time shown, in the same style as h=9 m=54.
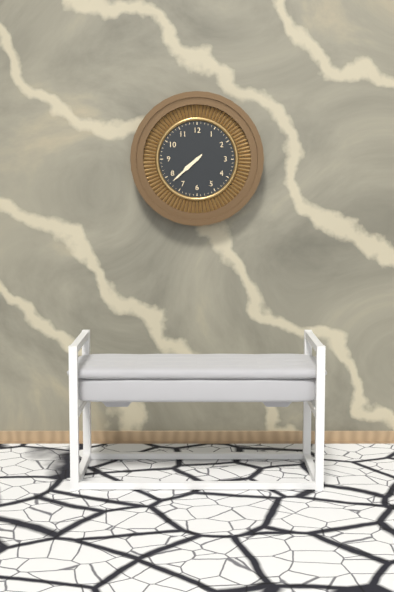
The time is h=7 m=38
